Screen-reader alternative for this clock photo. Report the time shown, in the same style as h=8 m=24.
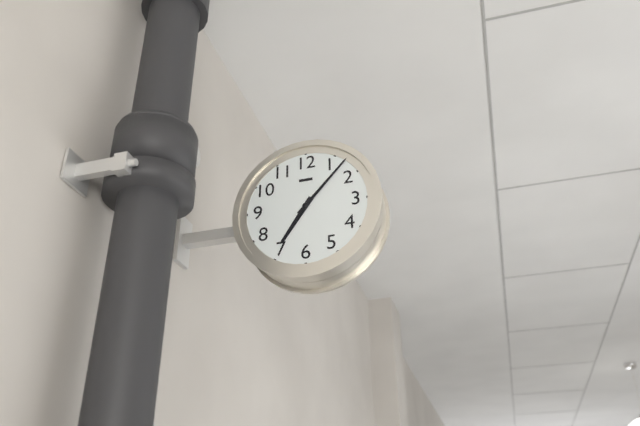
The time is h=7 m=7
